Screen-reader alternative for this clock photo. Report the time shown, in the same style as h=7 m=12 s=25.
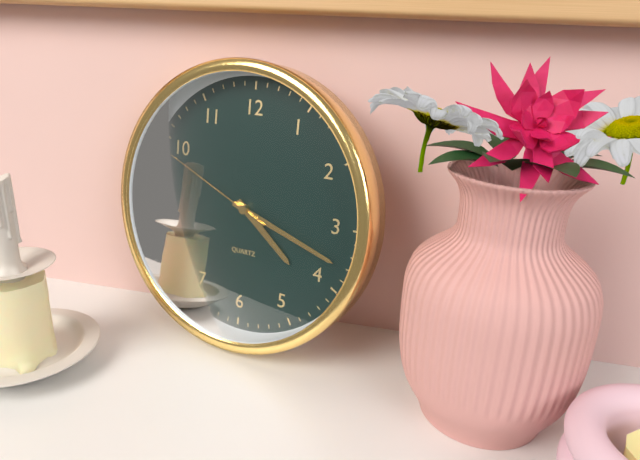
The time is h=4 m=18 s=49
